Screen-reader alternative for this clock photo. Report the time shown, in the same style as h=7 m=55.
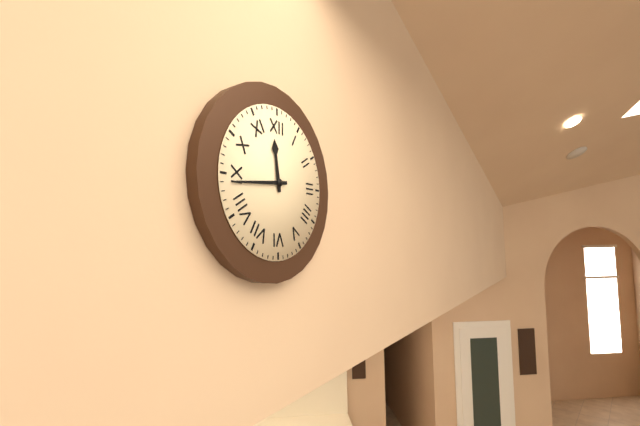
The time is h=11 m=44
